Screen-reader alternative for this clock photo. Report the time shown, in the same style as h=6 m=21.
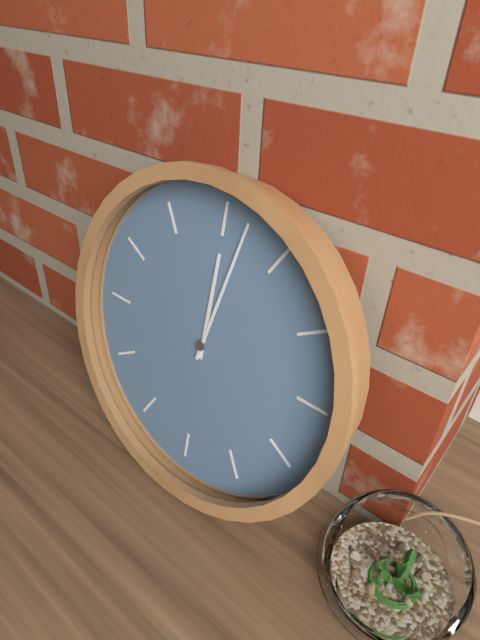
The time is h=12 m=2
